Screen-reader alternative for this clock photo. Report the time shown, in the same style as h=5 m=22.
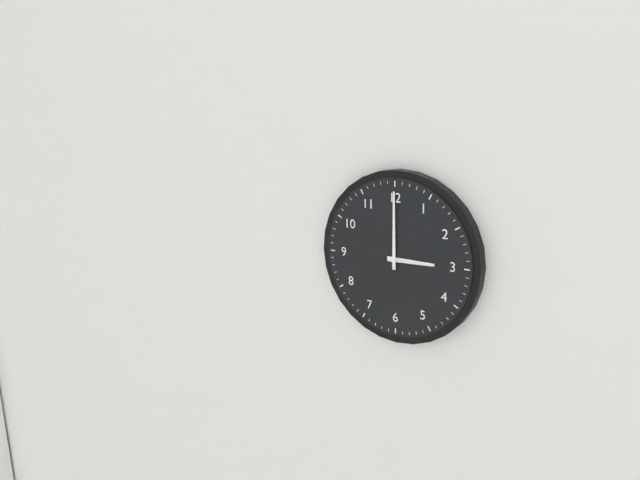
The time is h=3 m=0
